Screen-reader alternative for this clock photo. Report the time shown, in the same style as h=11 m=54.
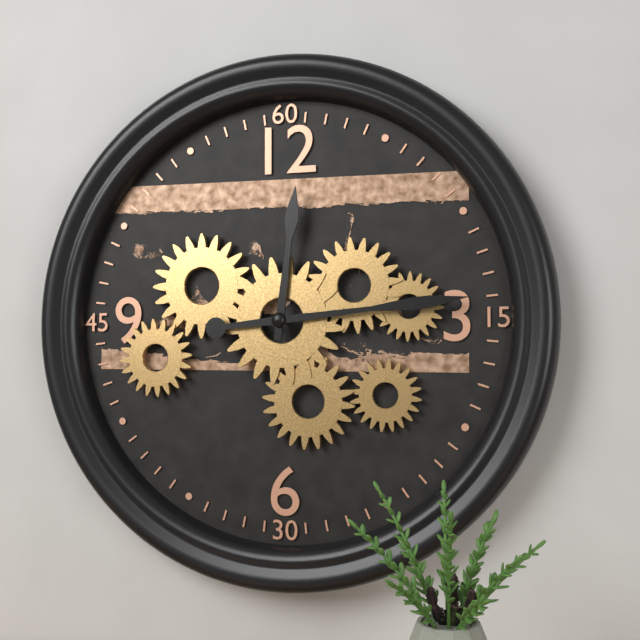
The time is h=12 m=14
